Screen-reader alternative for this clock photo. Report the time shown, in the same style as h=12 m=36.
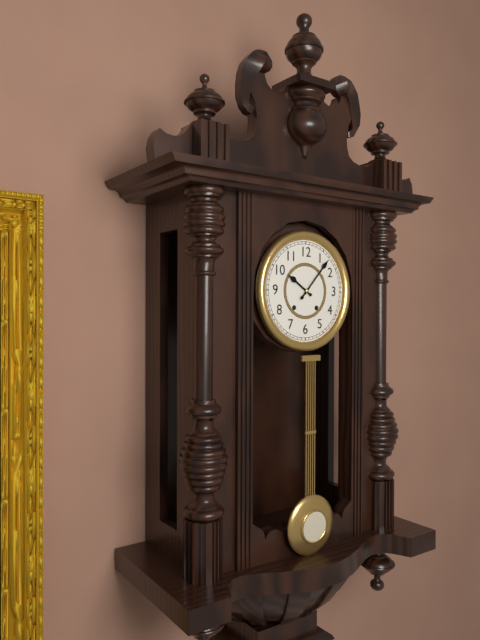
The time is h=10 m=7
